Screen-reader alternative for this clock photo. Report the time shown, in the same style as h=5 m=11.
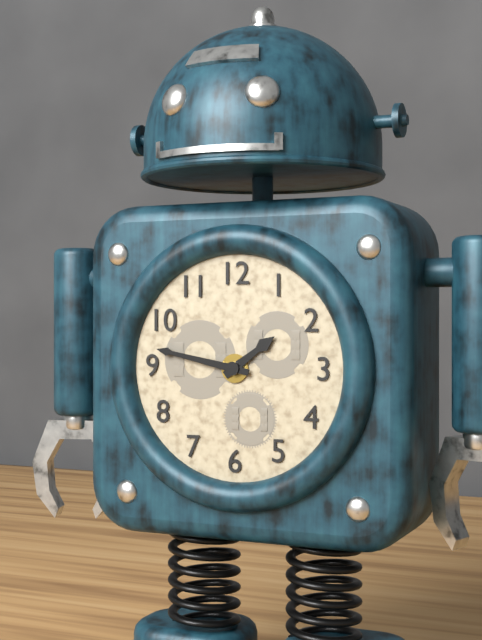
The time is h=1 m=47
